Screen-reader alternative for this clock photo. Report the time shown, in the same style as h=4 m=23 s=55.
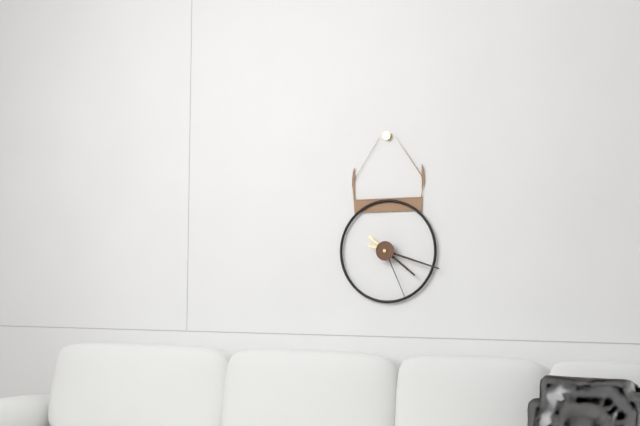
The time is h=4 m=18 s=26
